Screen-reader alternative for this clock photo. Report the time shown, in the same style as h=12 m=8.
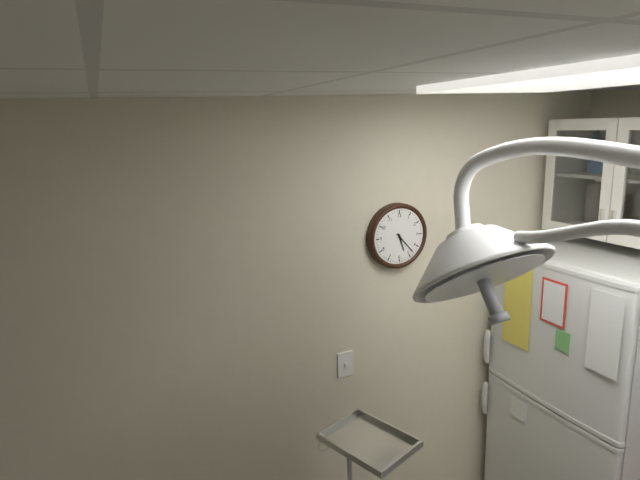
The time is h=5 m=23
